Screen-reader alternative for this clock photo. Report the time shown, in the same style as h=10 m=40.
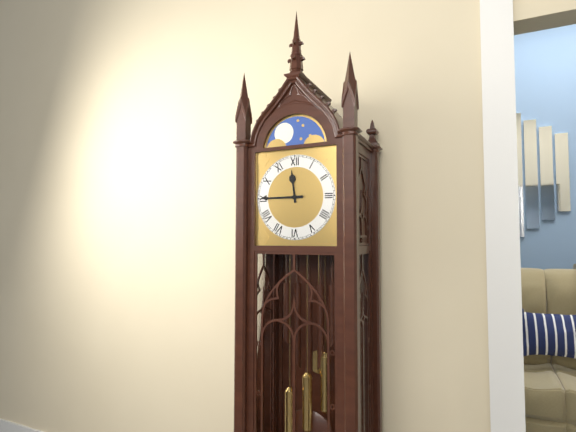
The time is h=11 m=45
